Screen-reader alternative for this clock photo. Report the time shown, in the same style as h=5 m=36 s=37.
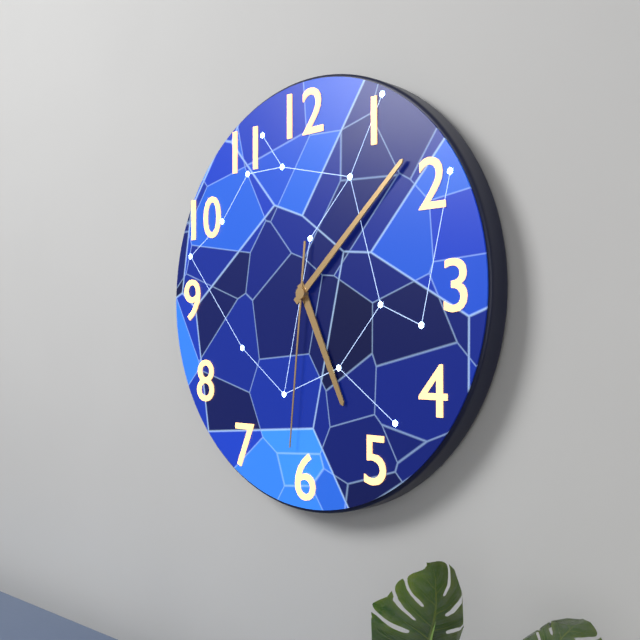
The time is h=5 m=8 s=31
